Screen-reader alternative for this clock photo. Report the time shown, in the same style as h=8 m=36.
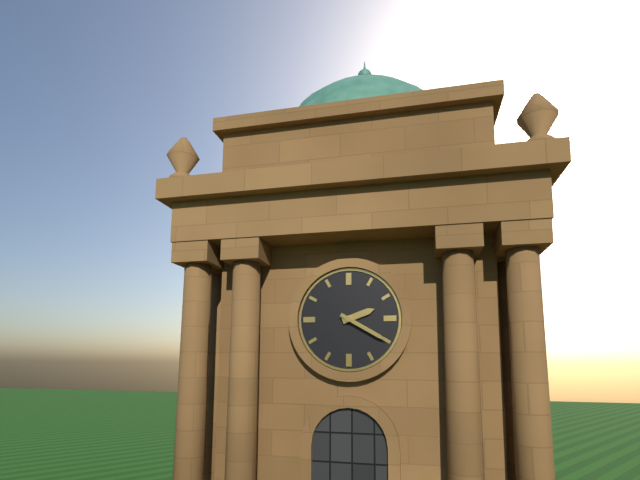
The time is h=2 m=20
